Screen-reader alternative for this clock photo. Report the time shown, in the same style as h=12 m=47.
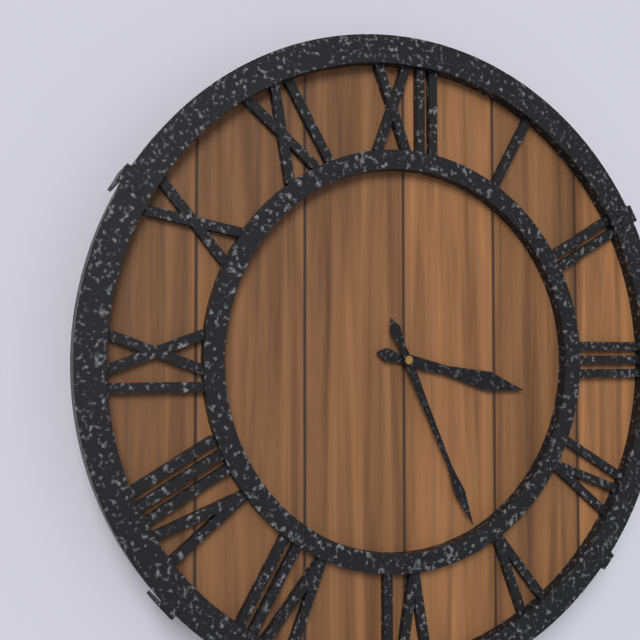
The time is h=3 m=26
